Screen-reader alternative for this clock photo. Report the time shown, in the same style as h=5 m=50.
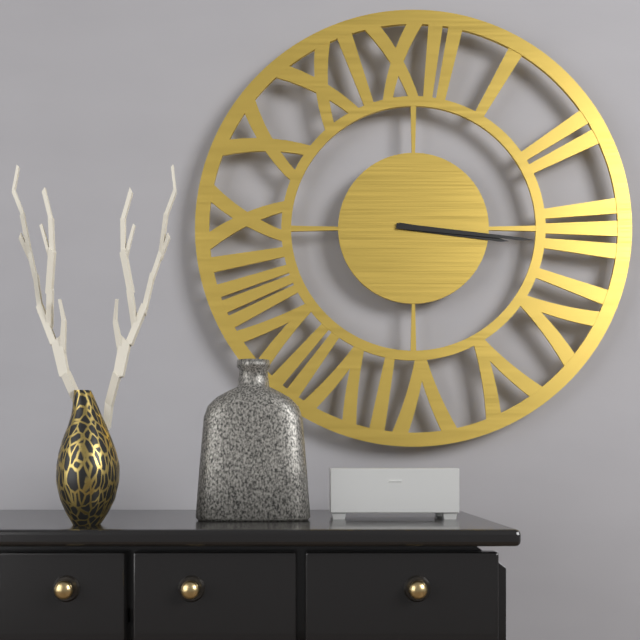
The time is h=3 m=16
